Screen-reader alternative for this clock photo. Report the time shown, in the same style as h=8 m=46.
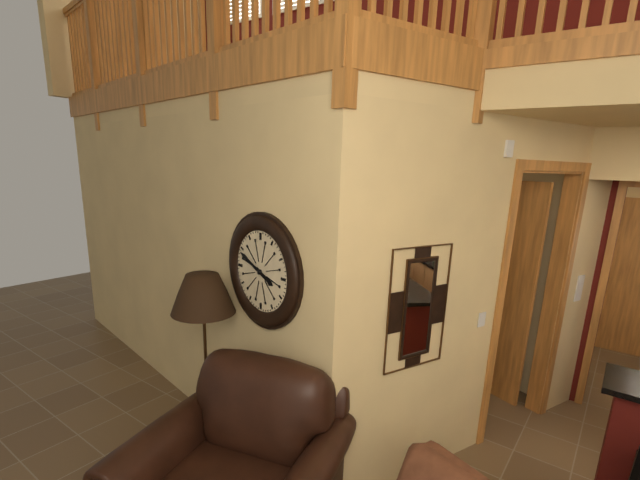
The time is h=3 m=49
